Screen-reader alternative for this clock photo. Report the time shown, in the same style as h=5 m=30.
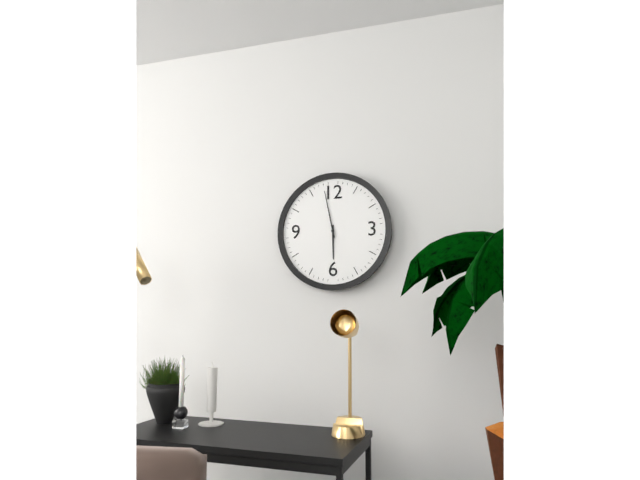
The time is h=5 m=58
